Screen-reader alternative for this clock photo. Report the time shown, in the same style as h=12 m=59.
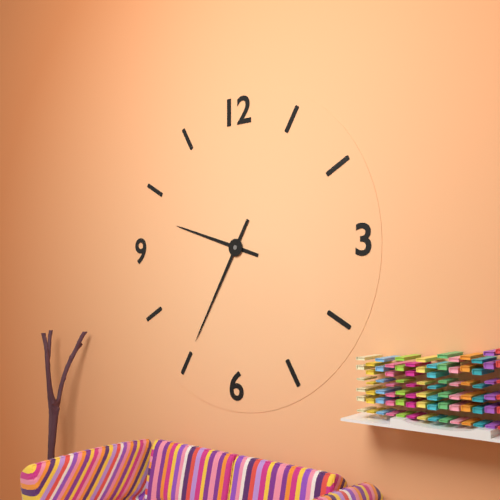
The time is h=9 m=35
